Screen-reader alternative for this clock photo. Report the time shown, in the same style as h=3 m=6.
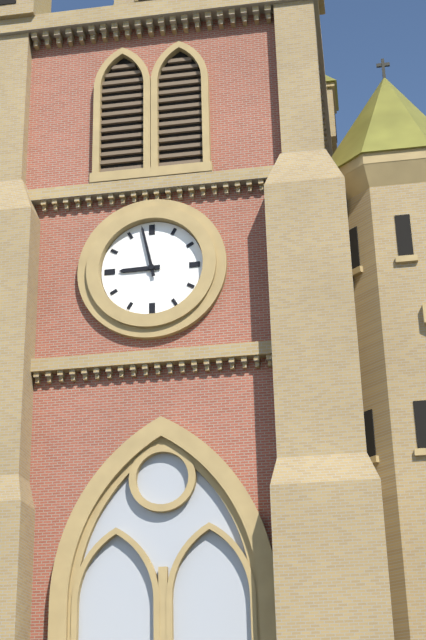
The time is h=8 m=58
